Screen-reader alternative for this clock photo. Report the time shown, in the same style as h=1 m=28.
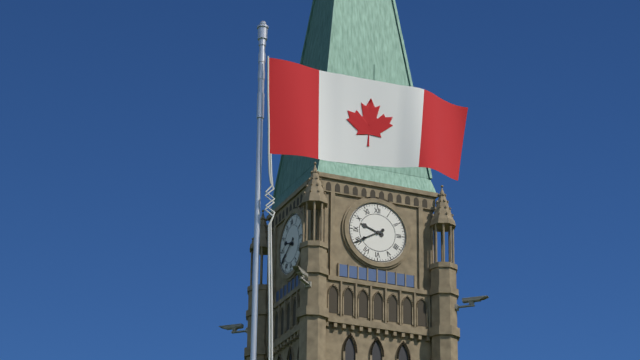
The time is h=9 m=40
